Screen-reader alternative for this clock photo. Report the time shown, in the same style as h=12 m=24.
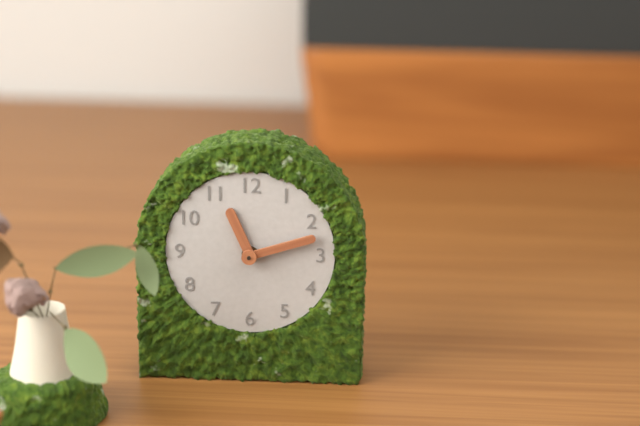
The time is h=11 m=12
